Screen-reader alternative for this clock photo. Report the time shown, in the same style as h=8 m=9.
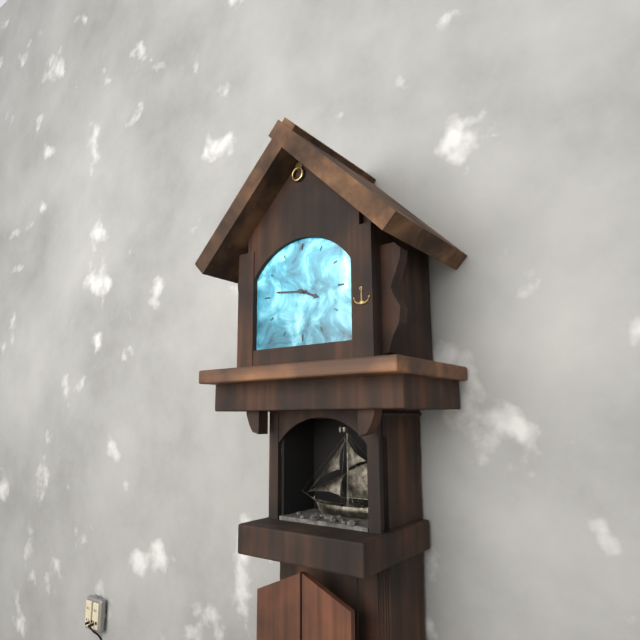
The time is h=3 m=46
